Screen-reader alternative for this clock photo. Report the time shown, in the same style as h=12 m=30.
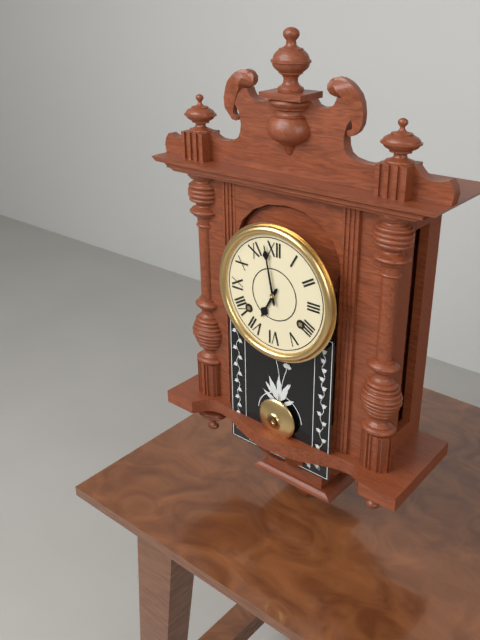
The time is h=6 m=58
